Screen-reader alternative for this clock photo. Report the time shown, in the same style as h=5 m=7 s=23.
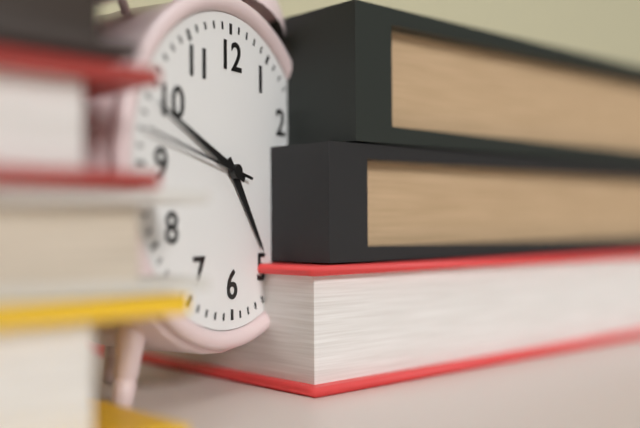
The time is h=4 m=49 s=47
